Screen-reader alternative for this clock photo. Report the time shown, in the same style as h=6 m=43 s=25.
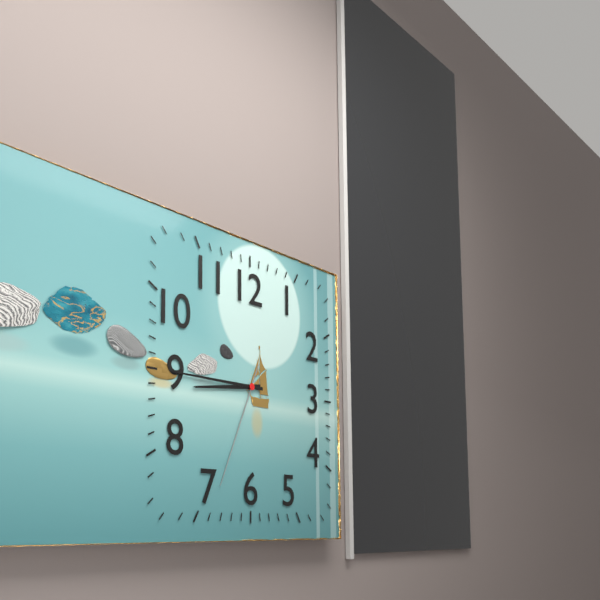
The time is h=8 m=45 s=34
